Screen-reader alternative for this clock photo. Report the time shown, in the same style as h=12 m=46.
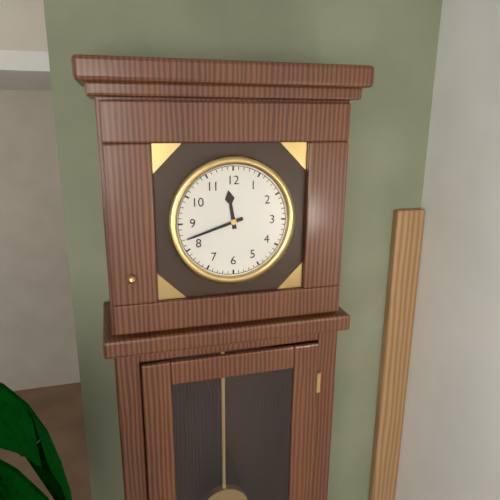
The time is h=11 m=42
